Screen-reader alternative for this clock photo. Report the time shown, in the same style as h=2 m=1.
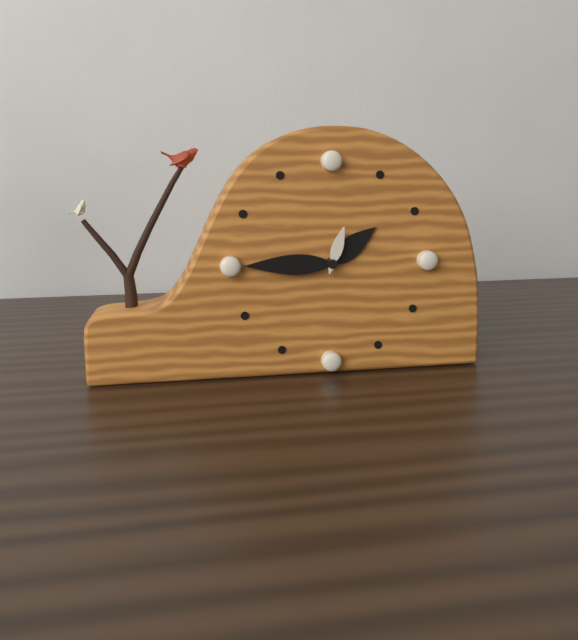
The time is h=1 m=45
